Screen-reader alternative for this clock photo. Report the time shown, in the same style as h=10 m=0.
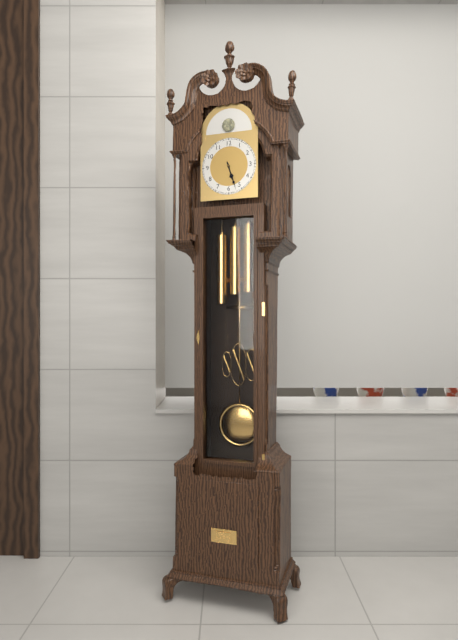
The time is h=5 m=27
